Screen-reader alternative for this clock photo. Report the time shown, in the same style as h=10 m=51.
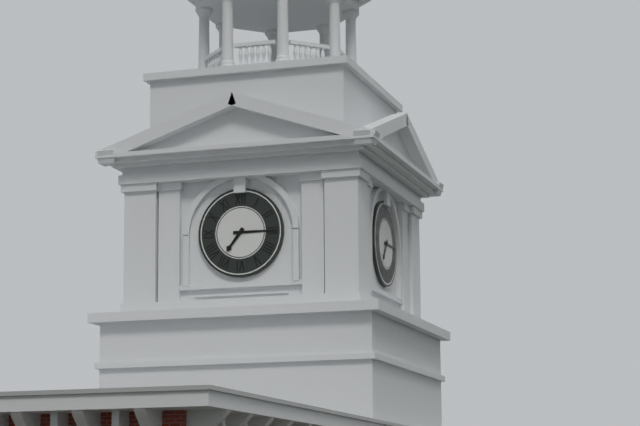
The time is h=7 m=15
